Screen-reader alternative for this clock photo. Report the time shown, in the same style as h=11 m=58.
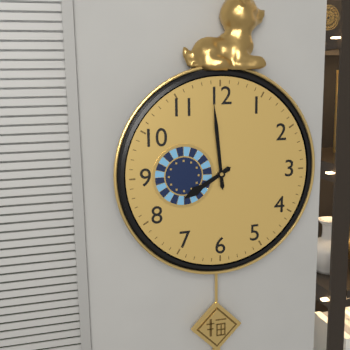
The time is h=7 m=59
